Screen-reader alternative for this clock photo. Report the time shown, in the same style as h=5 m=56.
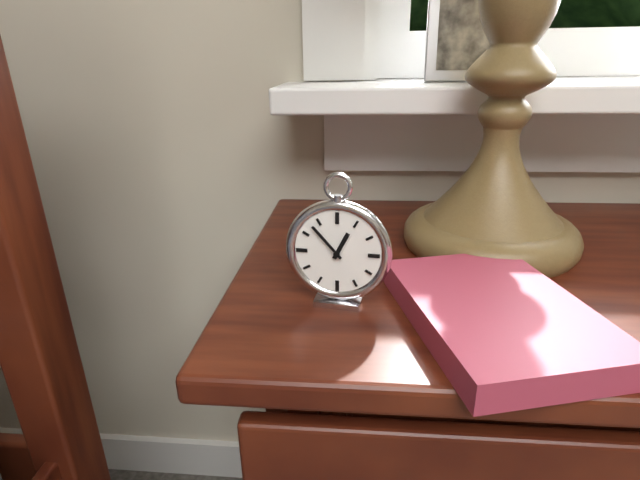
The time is h=12 m=53
